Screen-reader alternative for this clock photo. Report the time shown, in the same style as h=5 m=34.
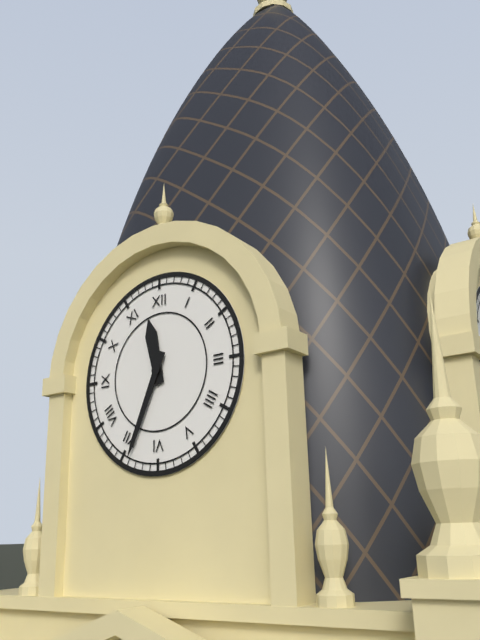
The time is h=11 m=34
